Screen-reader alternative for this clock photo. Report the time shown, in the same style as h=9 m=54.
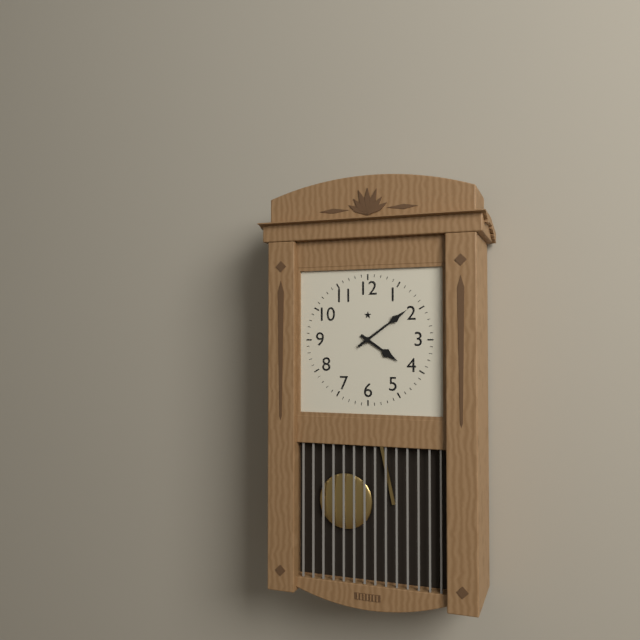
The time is h=4 m=9
